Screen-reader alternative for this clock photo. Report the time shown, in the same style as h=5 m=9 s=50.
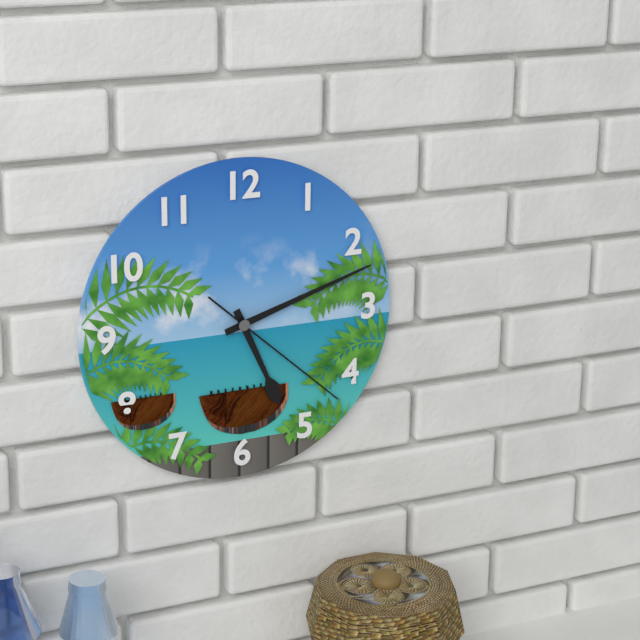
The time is h=5 m=12 s=22
